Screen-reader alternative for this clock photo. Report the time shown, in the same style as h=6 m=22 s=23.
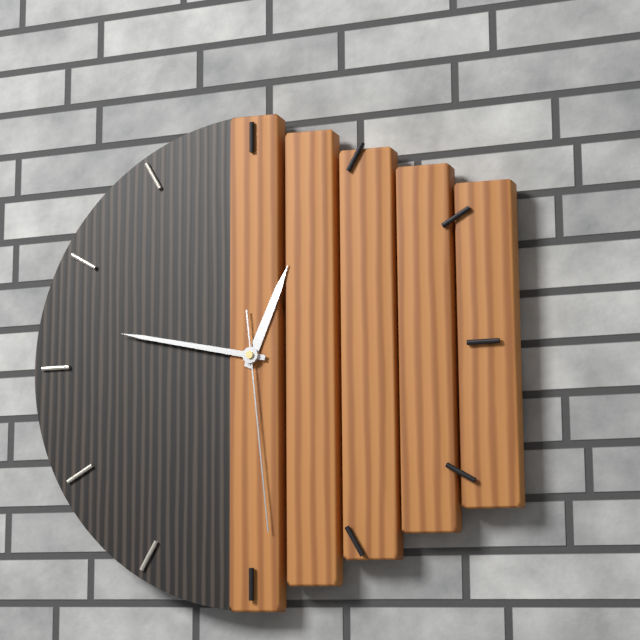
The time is h=12 m=47 s=29
